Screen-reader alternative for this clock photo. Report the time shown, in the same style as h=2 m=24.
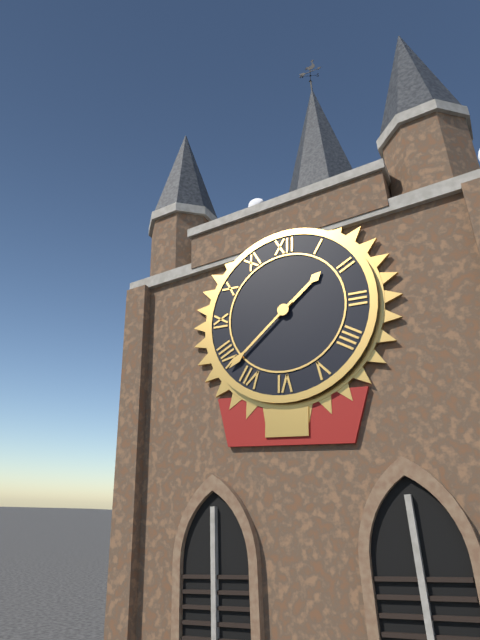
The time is h=1 m=38
